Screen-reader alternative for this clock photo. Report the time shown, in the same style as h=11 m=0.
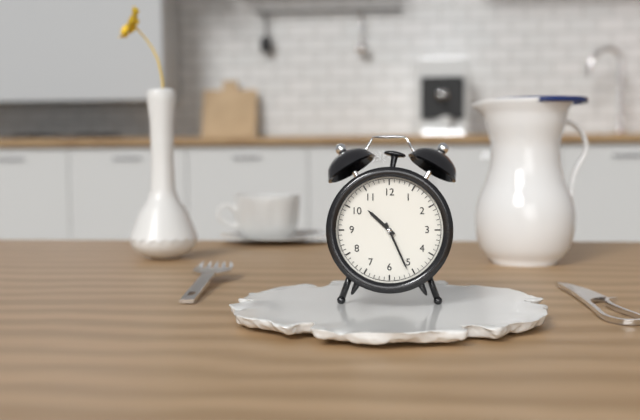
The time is h=10 m=26
